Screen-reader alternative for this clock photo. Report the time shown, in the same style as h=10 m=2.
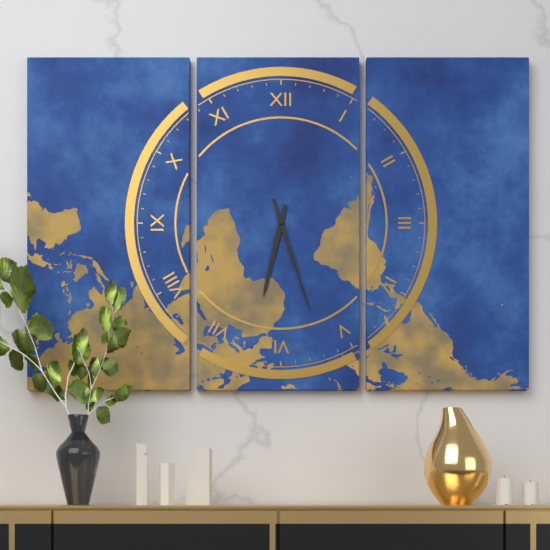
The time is h=6 m=27
